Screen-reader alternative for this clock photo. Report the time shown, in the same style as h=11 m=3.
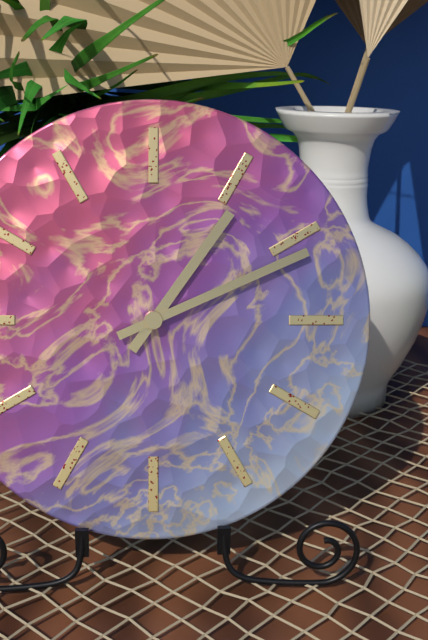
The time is h=1 m=11
